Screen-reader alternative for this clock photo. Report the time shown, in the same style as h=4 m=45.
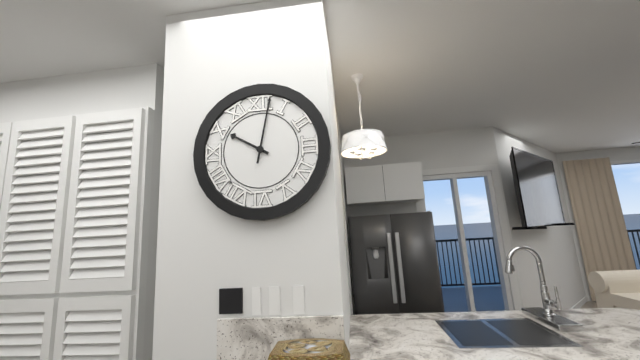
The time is h=10 m=2
